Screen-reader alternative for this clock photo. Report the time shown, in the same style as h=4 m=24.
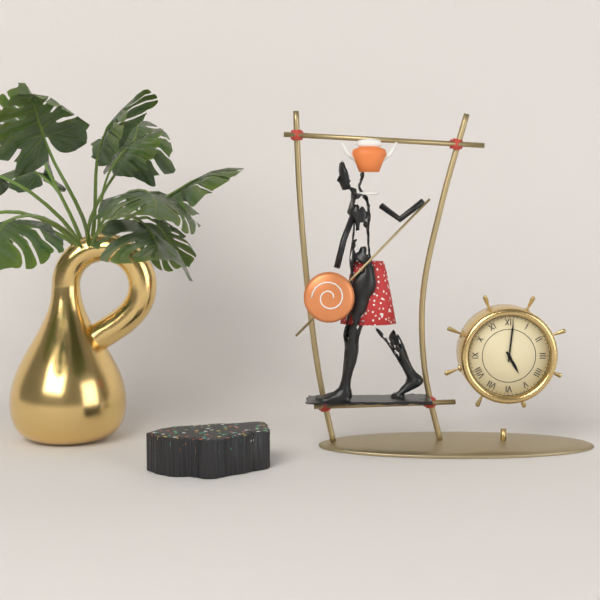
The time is h=5 m=1
